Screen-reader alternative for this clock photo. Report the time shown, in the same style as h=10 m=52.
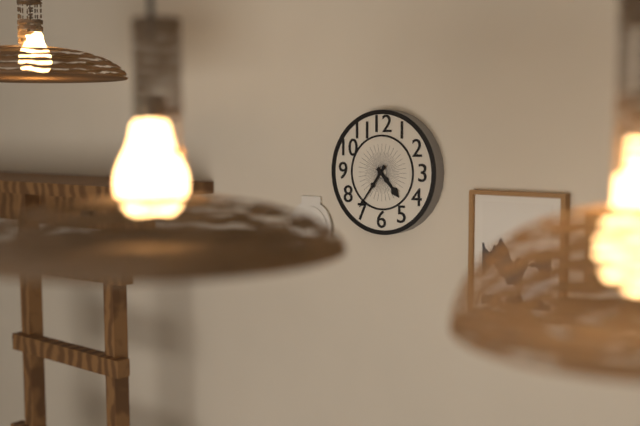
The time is h=4 m=36
